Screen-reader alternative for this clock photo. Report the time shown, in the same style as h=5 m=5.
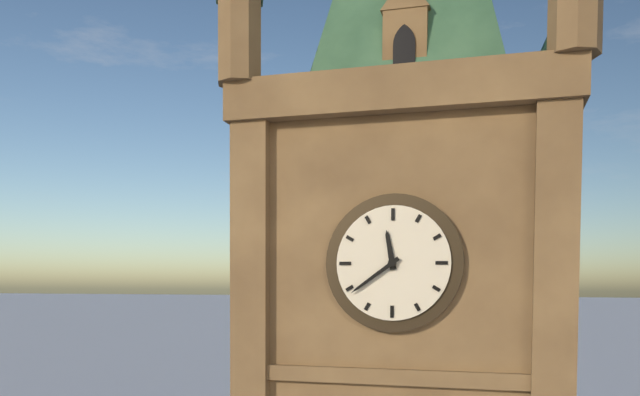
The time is h=11 m=39
